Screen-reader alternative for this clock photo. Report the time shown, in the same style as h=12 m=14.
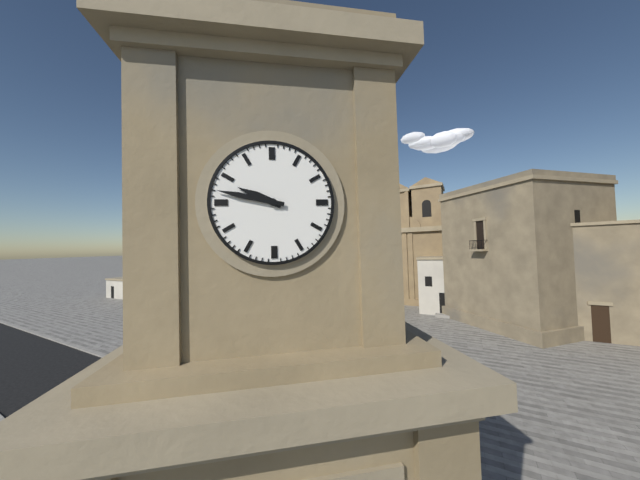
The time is h=9 m=47
